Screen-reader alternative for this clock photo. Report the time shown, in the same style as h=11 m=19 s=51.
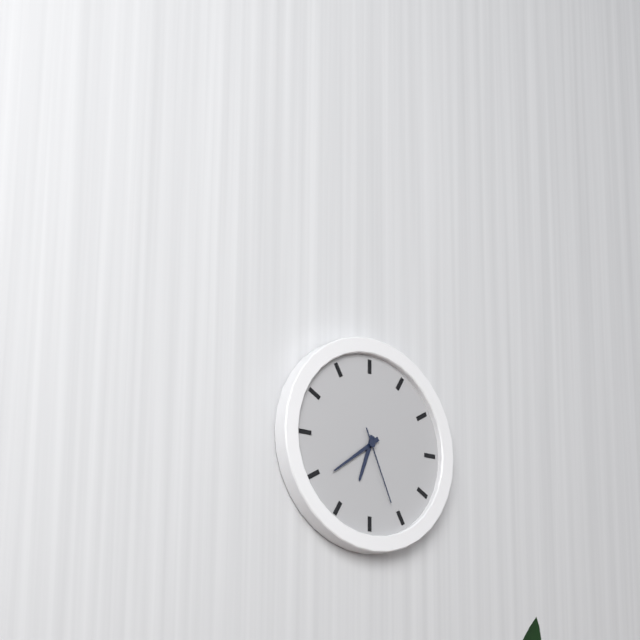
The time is h=6 m=39 s=26
